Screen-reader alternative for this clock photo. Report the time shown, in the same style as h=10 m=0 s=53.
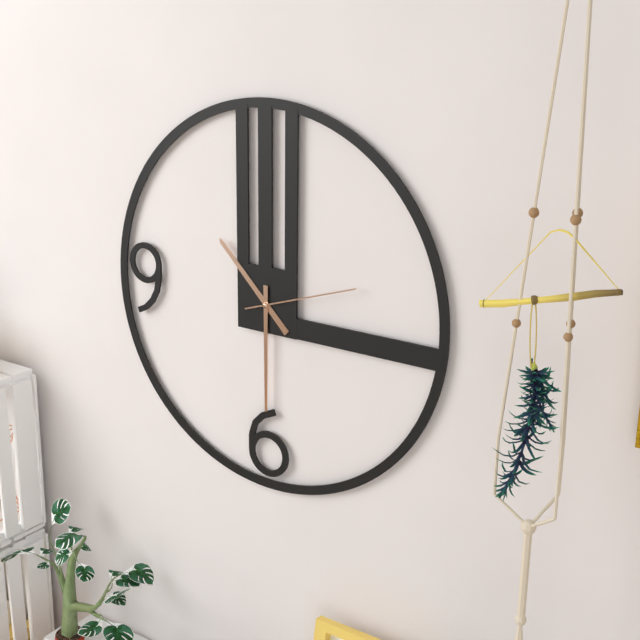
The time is h=10 m=30 s=12
